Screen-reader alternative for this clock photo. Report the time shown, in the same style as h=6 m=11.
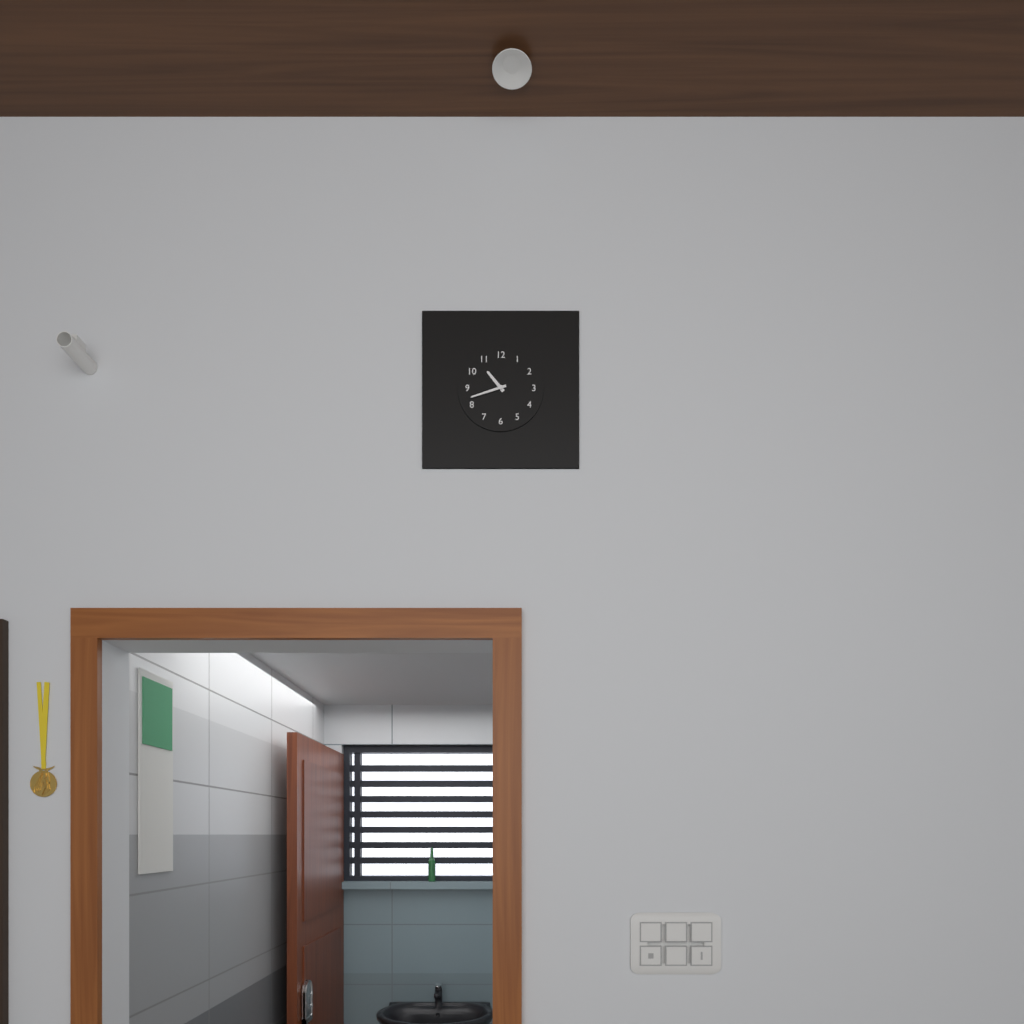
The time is h=10 m=42
